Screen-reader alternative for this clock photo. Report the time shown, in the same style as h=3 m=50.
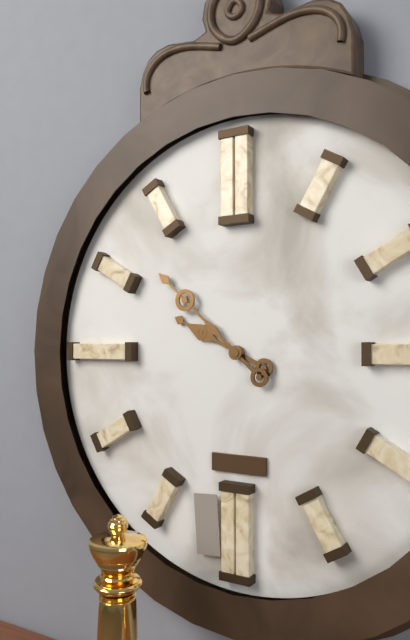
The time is h=9 m=52
